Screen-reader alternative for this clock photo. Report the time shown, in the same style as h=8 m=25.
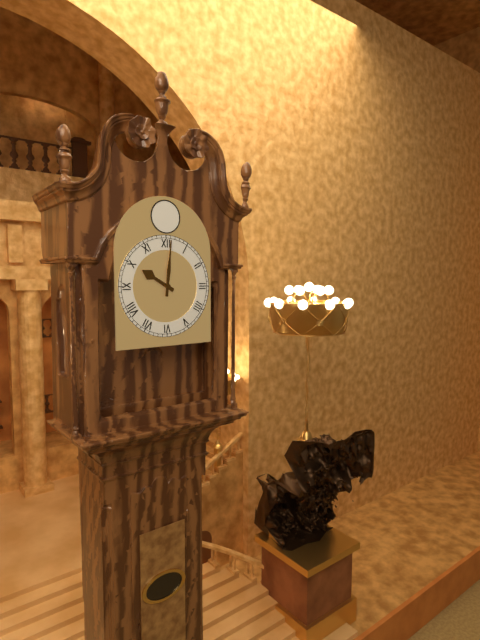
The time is h=10 m=1
